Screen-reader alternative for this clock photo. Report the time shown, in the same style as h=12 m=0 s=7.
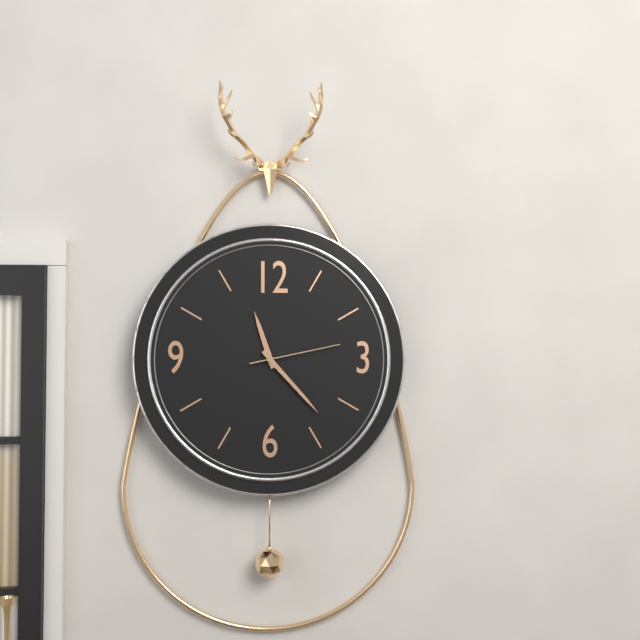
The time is h=11 m=23 s=13
